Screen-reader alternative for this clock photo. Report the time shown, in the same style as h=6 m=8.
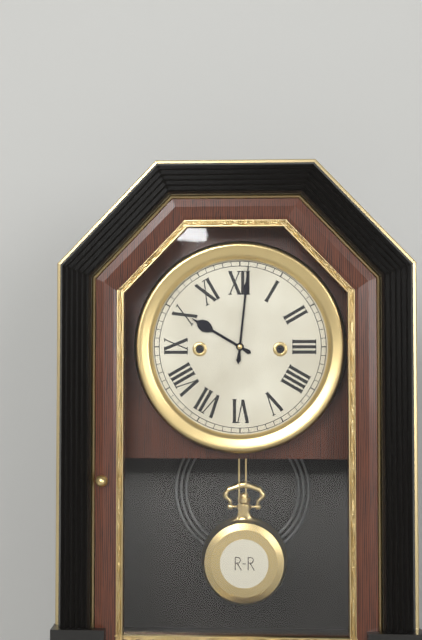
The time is h=10 m=1
